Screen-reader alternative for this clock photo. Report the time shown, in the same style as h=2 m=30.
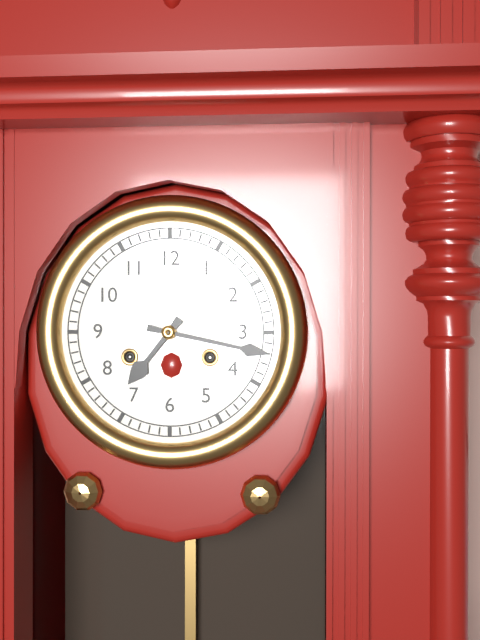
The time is h=7 m=17
